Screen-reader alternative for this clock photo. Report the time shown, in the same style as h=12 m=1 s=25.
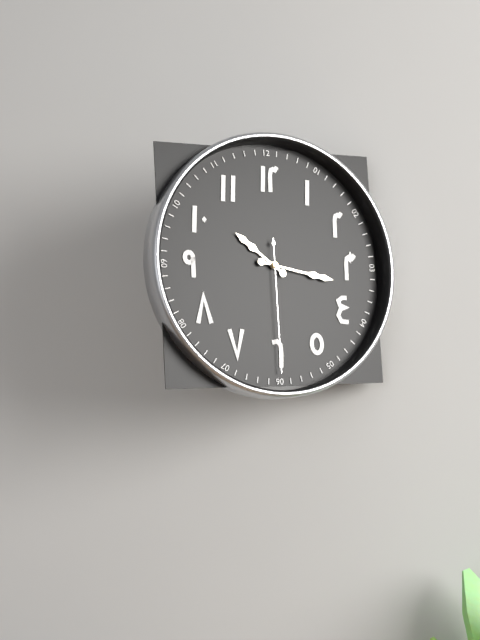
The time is h=10 m=17 s=30
